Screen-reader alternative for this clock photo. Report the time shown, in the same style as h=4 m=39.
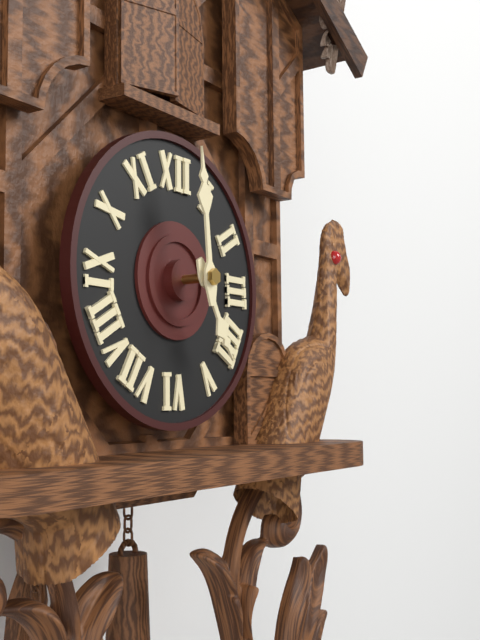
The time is h=4 m=59
